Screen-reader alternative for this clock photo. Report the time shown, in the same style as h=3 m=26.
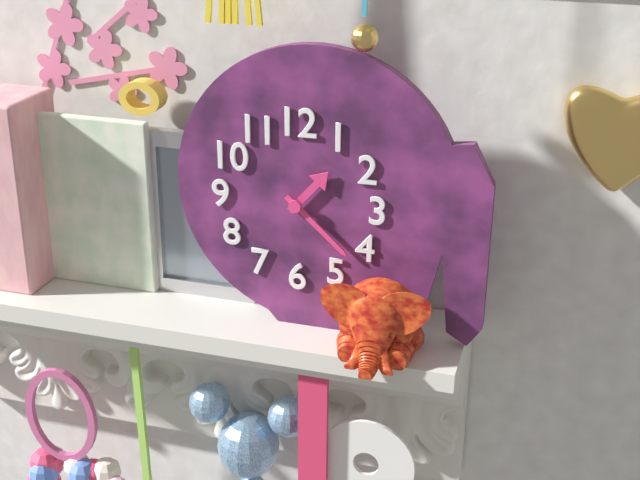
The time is h=1 m=22
